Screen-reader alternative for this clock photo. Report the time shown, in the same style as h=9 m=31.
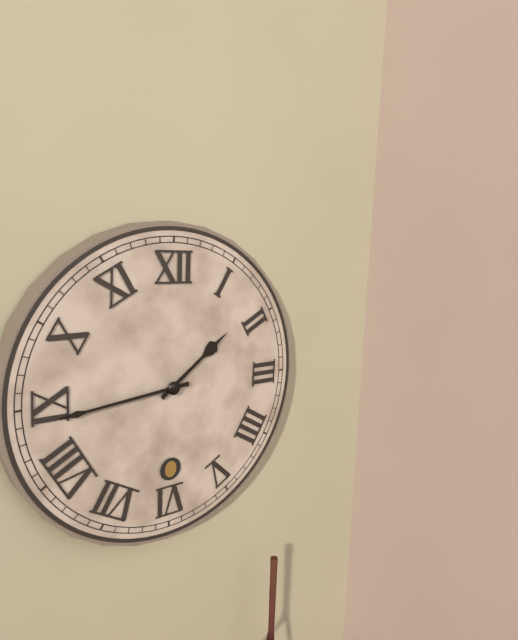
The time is h=1 m=44
